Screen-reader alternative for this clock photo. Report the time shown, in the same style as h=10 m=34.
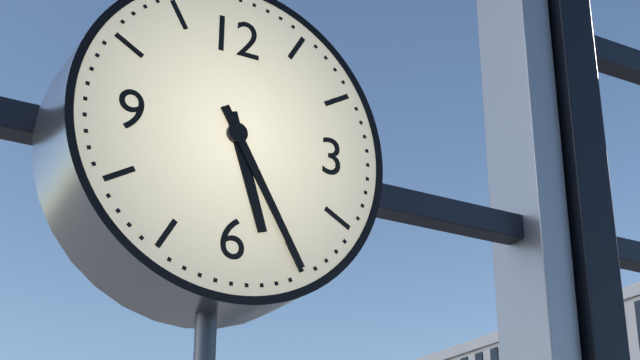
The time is h=5 m=25
